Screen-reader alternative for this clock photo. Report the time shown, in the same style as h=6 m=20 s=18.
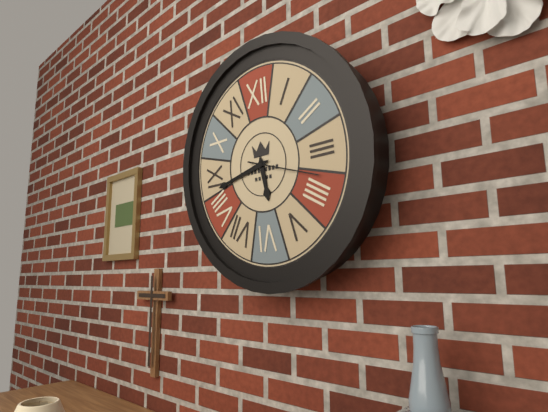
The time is h=5 m=43 s=18
